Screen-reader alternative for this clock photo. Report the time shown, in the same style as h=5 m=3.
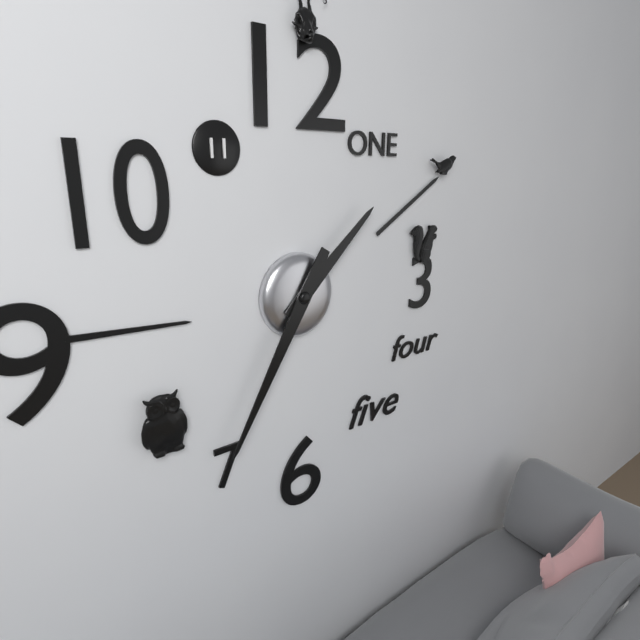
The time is h=1 m=35
